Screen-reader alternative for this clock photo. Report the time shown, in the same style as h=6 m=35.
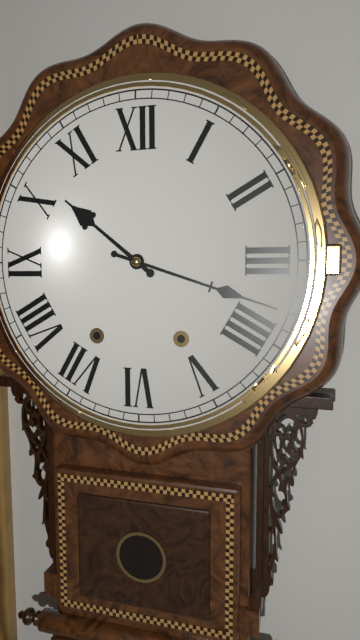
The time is h=10 m=18
